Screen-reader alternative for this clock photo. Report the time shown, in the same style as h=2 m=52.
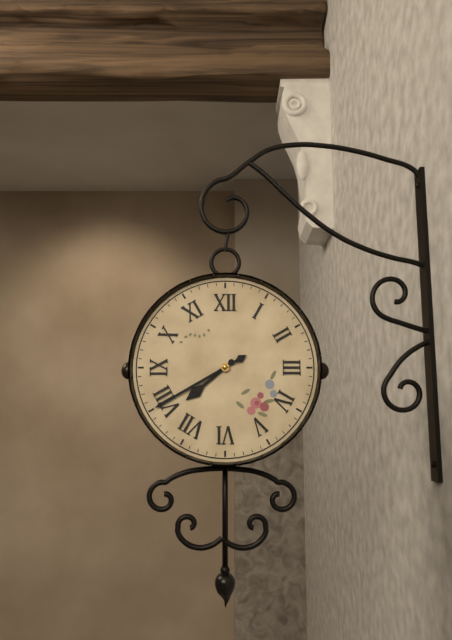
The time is h=7 m=40
